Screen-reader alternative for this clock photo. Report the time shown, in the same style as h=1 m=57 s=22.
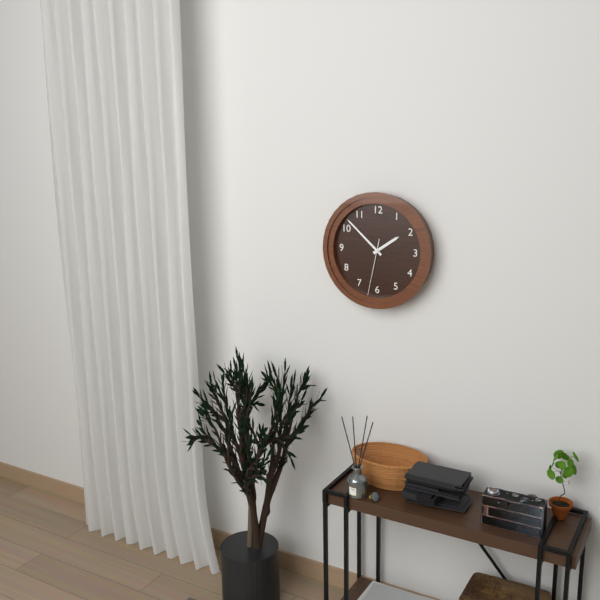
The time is h=1 m=52 s=32
